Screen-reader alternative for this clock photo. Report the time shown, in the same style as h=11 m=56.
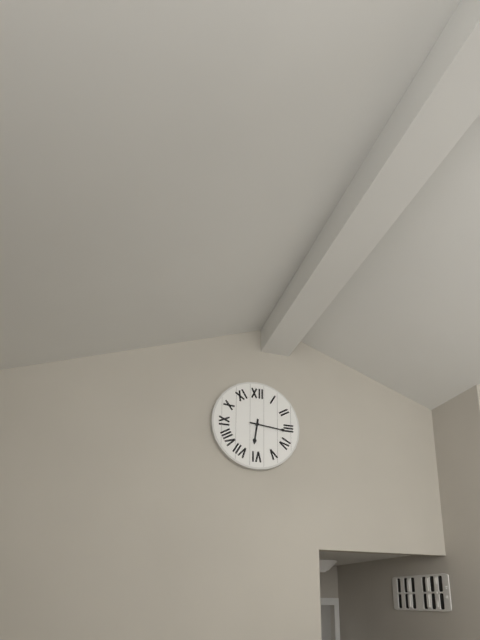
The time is h=6 m=16
